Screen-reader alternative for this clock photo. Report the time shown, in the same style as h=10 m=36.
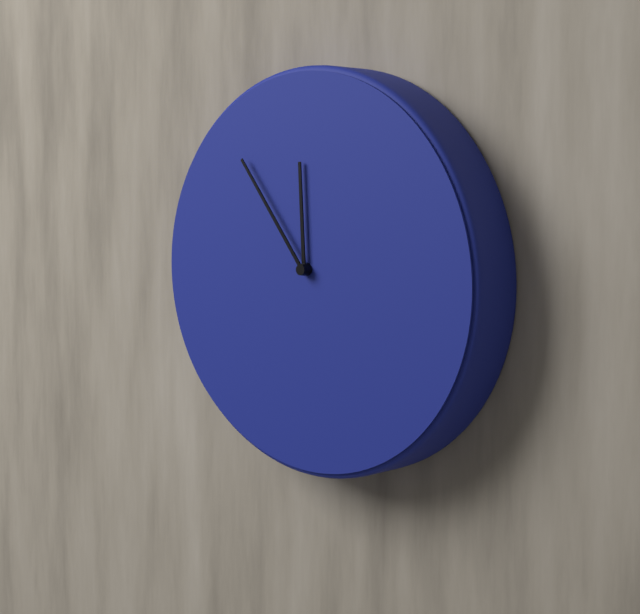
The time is h=11 m=54
